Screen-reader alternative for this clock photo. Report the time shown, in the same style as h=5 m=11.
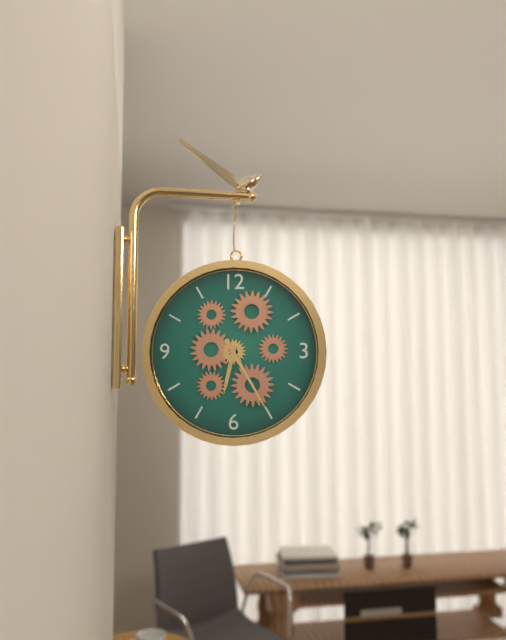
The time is h=6 m=25
